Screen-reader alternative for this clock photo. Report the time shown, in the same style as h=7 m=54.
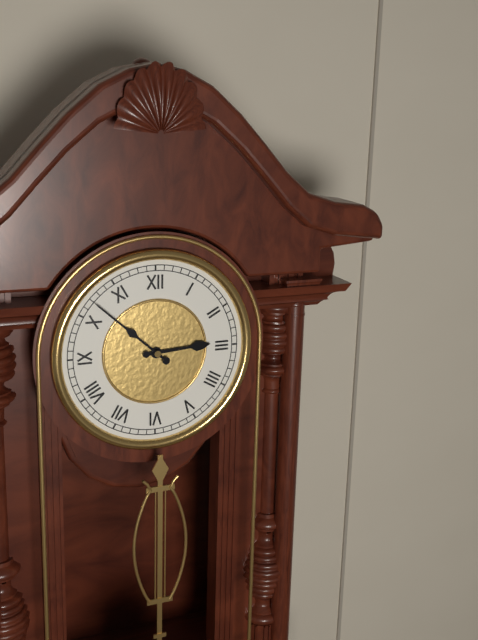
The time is h=2 m=52
